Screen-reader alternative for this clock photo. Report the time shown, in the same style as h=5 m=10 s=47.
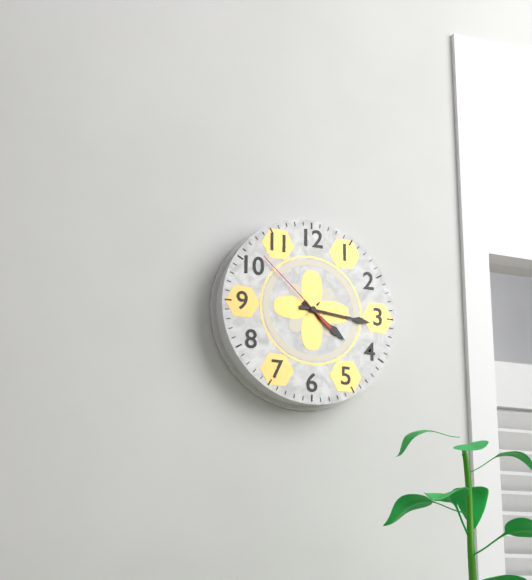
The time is h=4 m=16 s=52
